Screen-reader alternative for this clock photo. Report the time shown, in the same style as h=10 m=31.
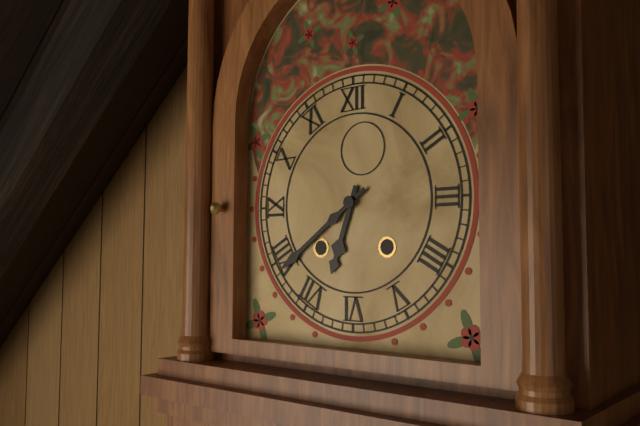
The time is h=6 m=39
